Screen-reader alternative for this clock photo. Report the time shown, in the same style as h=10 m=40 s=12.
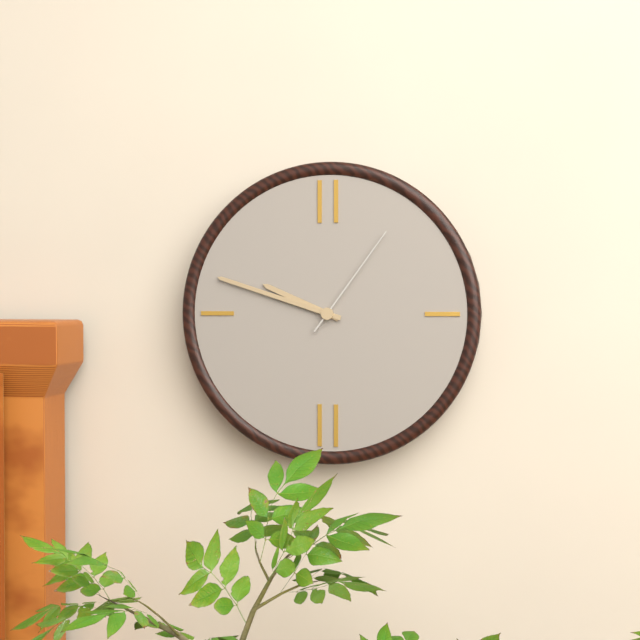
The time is h=9 m=48 s=6
